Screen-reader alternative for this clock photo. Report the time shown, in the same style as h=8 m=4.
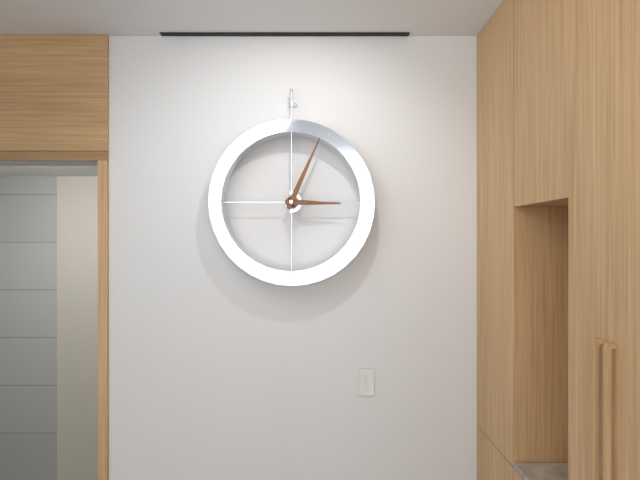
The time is h=3 m=4
